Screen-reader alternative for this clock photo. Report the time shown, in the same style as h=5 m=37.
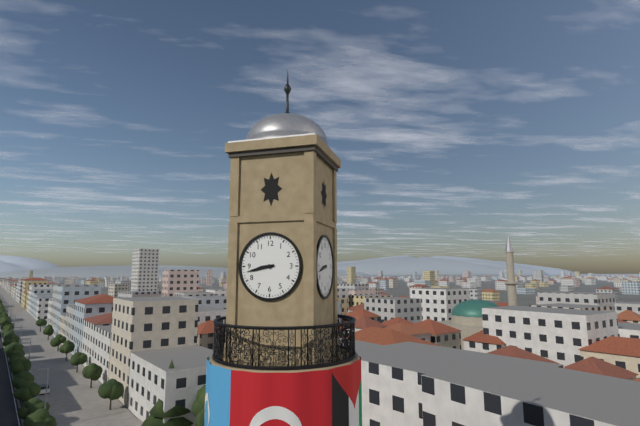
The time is h=8 m=43
